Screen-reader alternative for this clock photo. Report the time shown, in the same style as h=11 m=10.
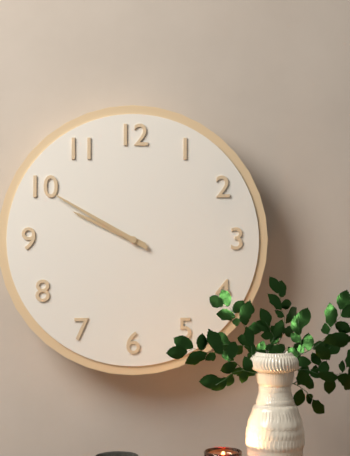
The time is h=9 m=50
